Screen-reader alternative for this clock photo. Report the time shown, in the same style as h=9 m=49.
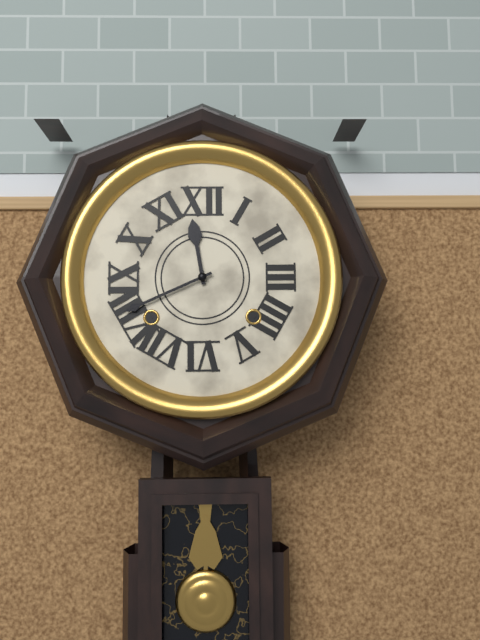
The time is h=11 m=41
